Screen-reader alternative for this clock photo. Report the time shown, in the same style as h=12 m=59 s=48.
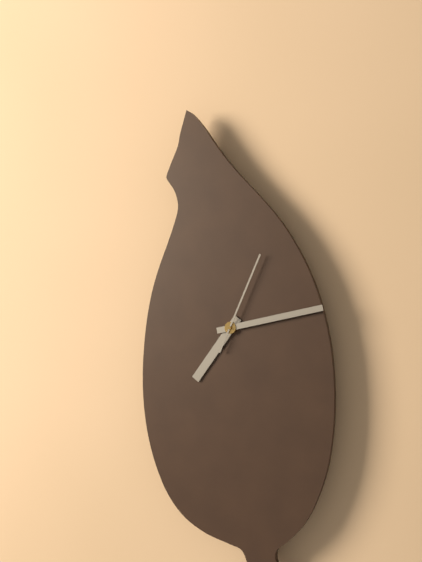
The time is h=7 m=13 s=4
